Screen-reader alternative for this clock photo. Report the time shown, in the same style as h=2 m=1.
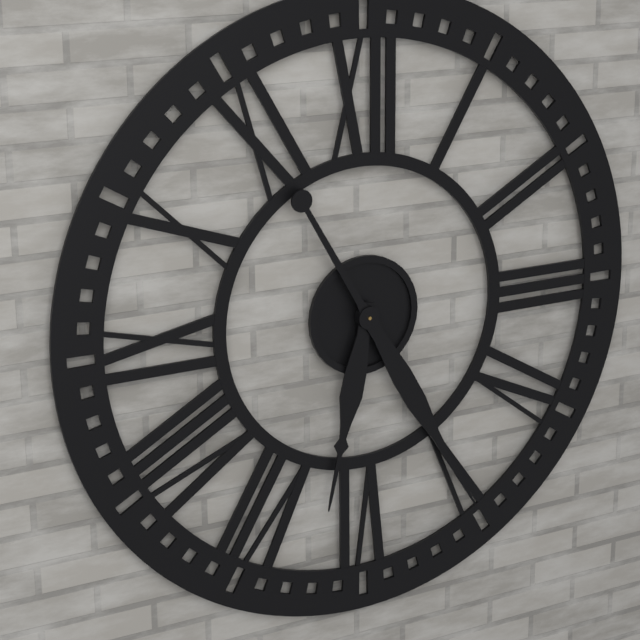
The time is h=6 m=25
